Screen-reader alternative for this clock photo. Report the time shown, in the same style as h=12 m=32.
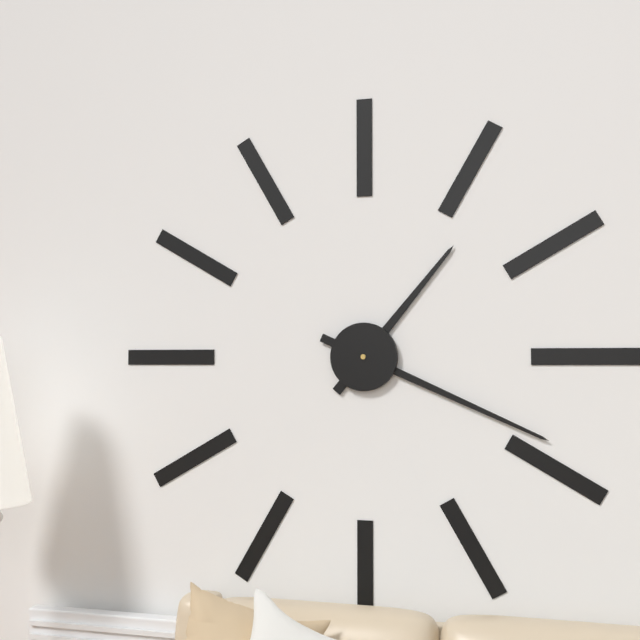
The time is h=1 m=19
